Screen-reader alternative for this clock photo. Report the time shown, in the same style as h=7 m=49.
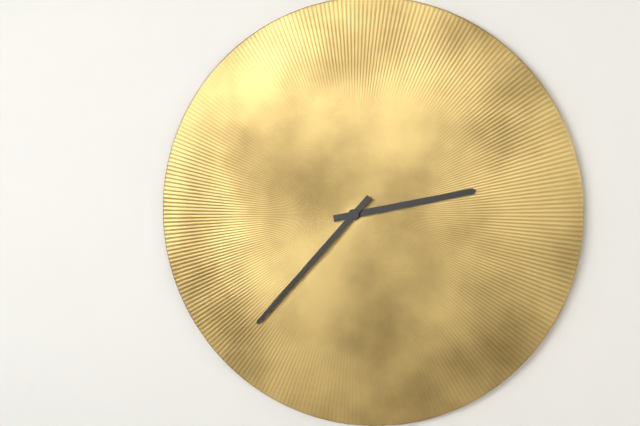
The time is h=2 m=37
